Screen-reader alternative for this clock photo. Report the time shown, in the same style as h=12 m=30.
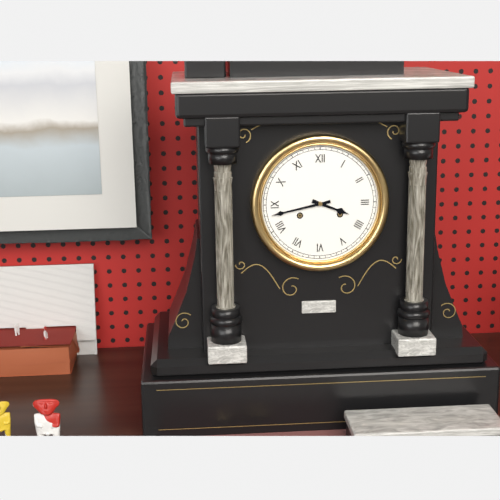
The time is h=3 m=43
